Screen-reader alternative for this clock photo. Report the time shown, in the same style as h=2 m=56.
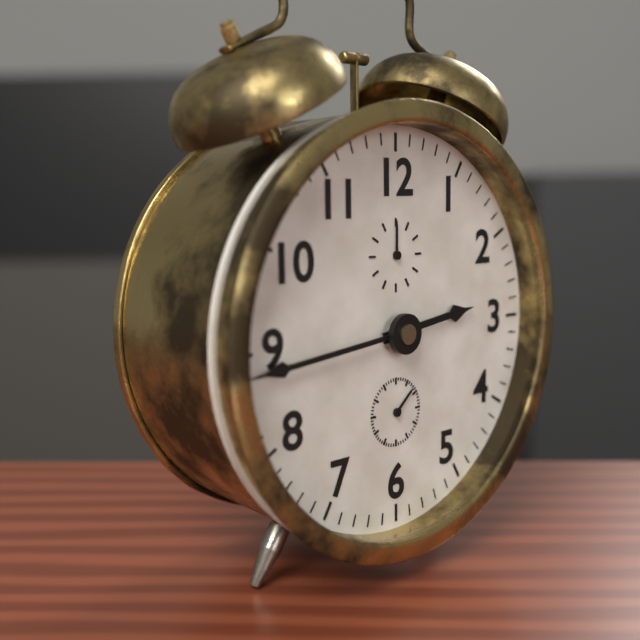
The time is h=2 m=44
